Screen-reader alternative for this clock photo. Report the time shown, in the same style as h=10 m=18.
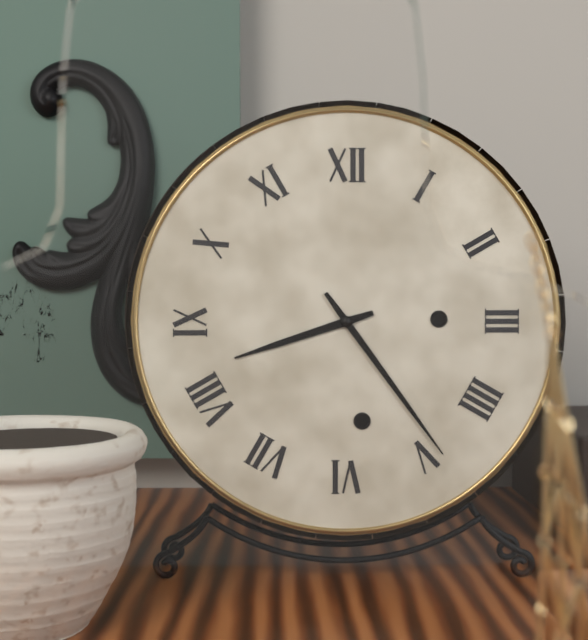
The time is h=8 m=24
